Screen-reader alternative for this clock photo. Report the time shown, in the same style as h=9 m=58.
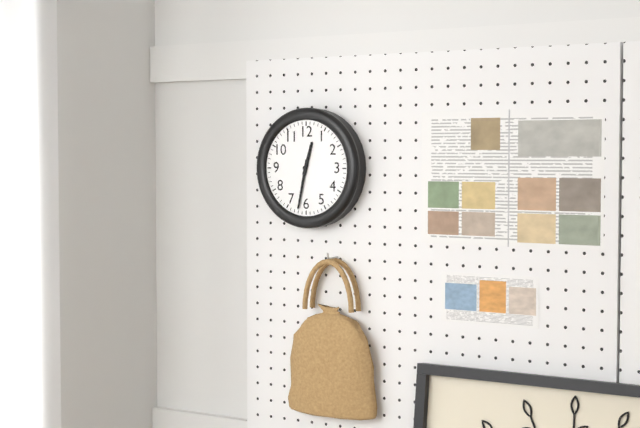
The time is h=12 m=32
